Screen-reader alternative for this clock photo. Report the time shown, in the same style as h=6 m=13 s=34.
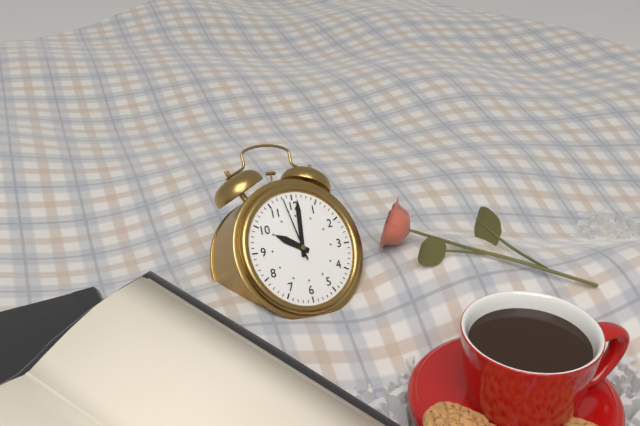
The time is h=10 m=1 s=58
